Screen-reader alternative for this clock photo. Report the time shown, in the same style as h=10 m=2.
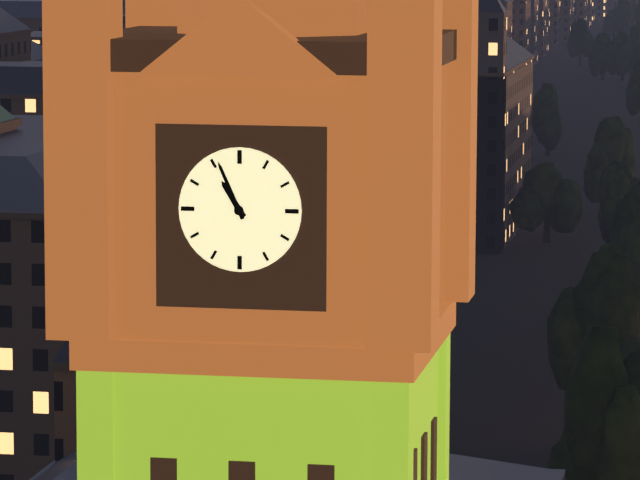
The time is h=10 m=56
